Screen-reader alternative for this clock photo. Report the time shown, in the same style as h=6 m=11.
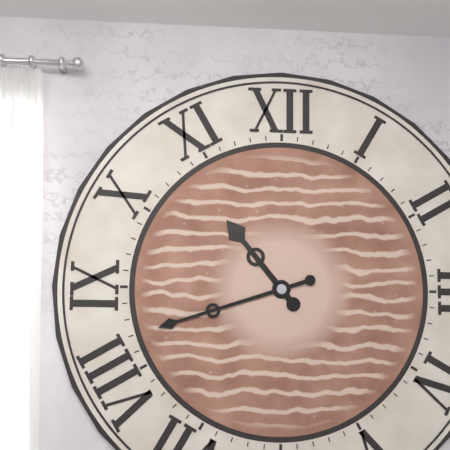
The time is h=10 m=42
